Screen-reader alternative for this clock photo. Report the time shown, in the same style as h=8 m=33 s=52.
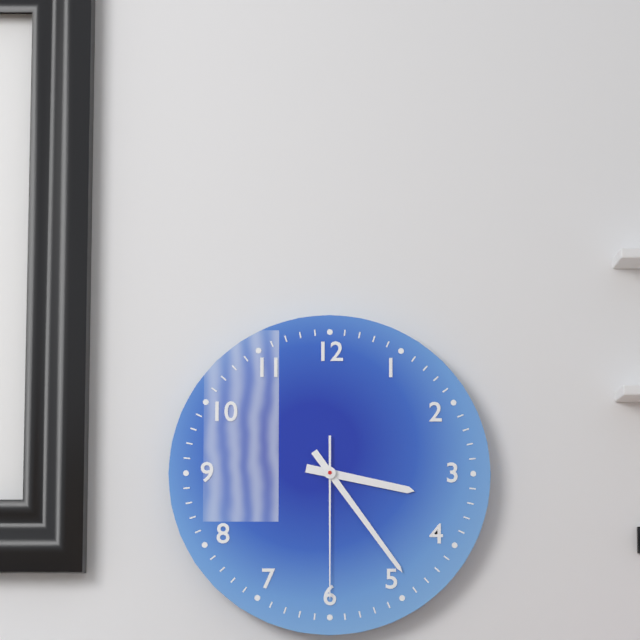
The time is h=3 m=24 s=30
